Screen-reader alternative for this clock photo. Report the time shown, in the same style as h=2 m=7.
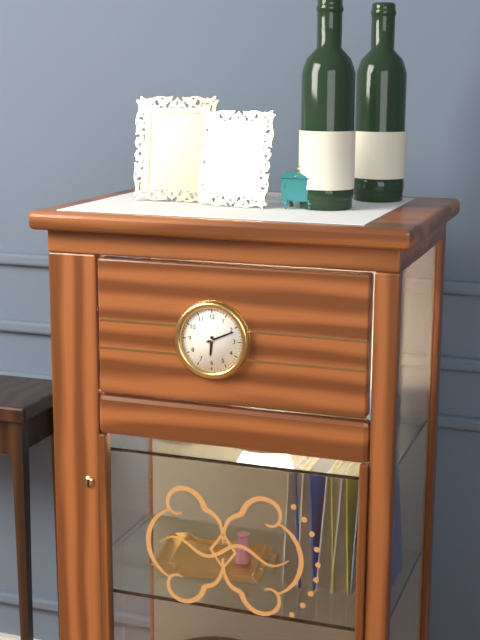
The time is h=6 m=11
